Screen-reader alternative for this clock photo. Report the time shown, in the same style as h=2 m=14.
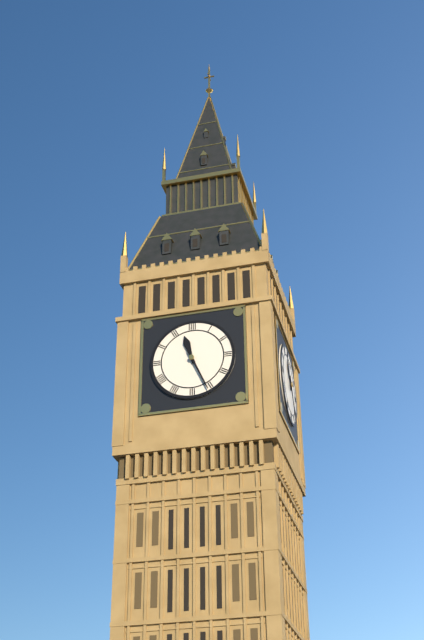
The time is h=11 m=26
